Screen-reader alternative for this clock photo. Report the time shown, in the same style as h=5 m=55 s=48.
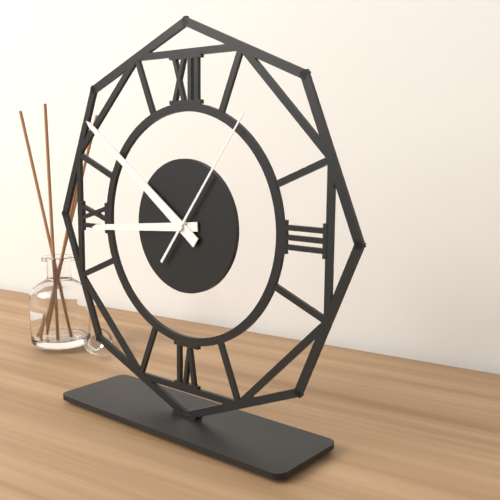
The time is h=8 m=51 s=6
